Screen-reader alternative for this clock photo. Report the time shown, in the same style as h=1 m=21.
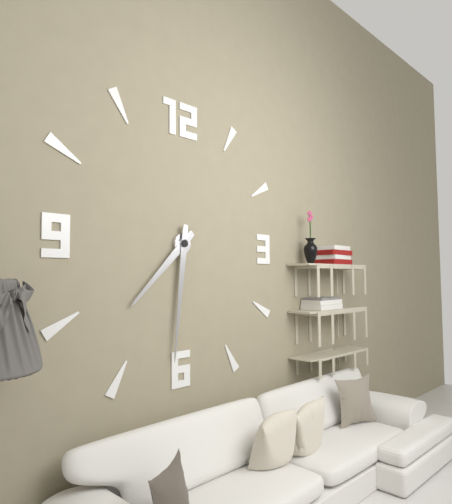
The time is h=7 m=31
